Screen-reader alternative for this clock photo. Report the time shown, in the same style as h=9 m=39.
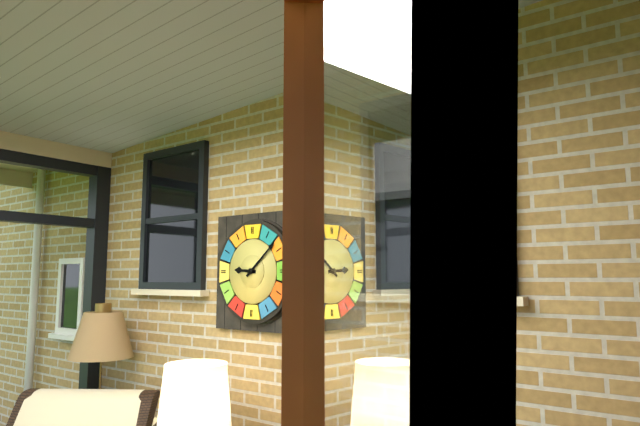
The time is h=9 m=8
